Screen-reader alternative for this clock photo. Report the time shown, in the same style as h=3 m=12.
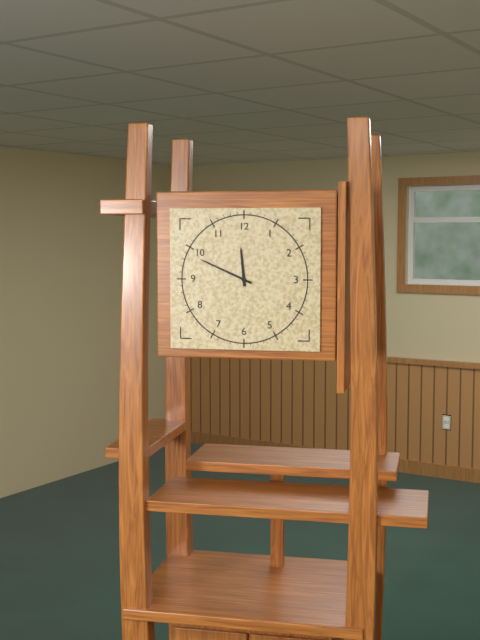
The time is h=11 m=49
